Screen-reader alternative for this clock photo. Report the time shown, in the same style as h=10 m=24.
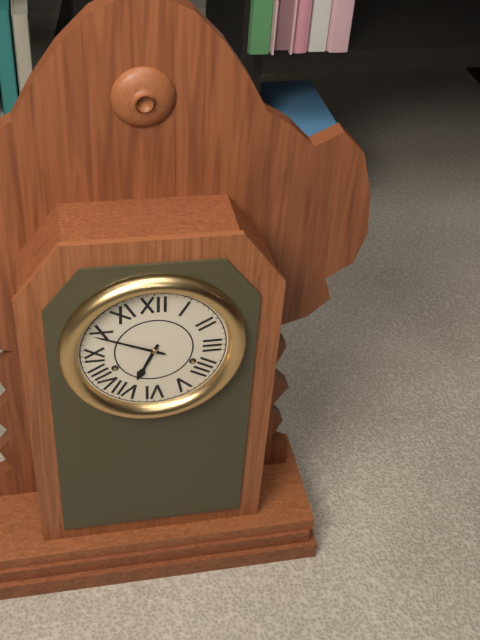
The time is h=6 m=49
